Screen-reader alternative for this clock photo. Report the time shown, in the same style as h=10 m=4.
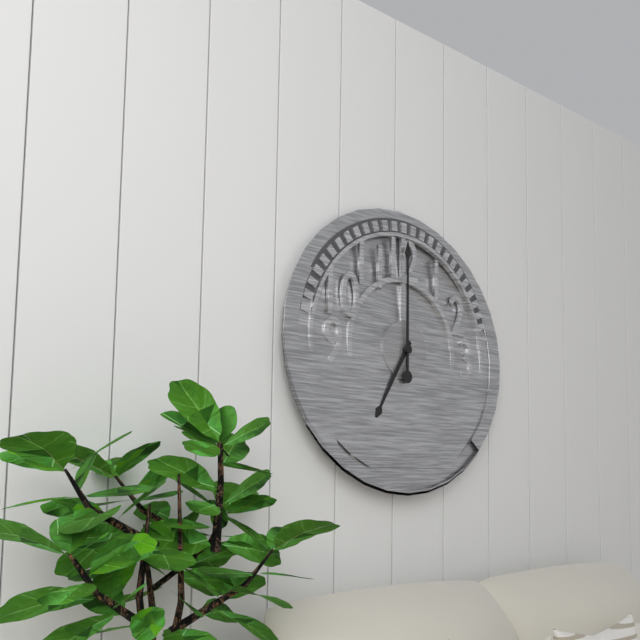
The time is h=7 m=0
